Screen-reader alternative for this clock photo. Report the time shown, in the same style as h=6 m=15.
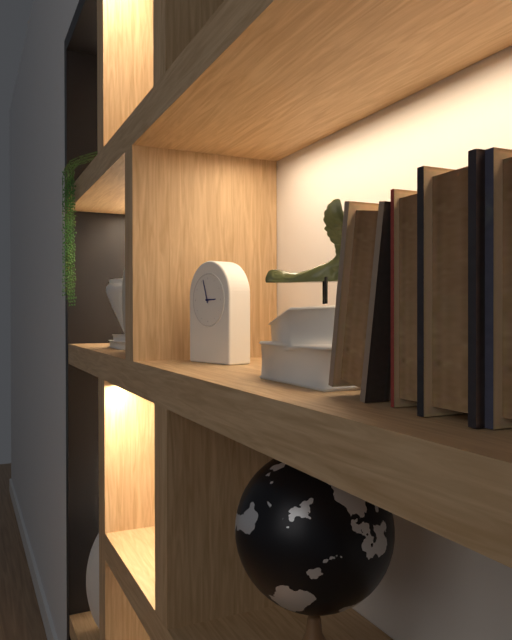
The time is h=2 m=57
